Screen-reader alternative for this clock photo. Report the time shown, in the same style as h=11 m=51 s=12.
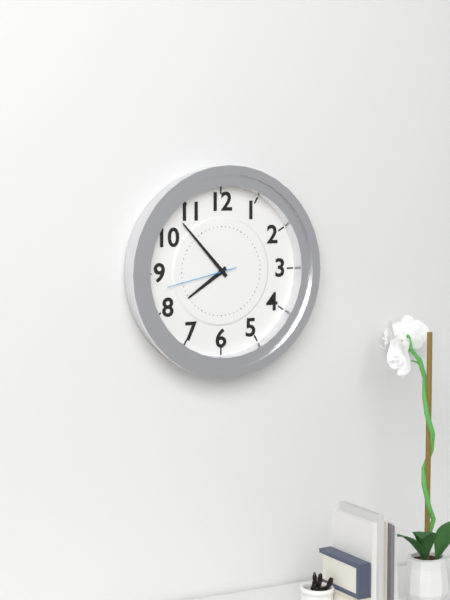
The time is h=7 m=53 s=43
